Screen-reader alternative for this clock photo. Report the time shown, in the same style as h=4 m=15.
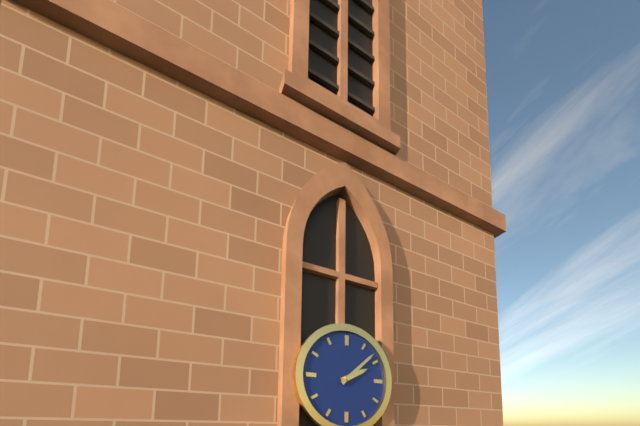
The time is h=2 m=8
